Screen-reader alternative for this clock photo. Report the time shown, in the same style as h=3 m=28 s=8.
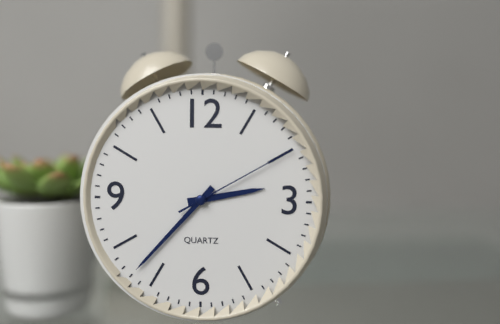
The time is h=2 m=37 s=10
